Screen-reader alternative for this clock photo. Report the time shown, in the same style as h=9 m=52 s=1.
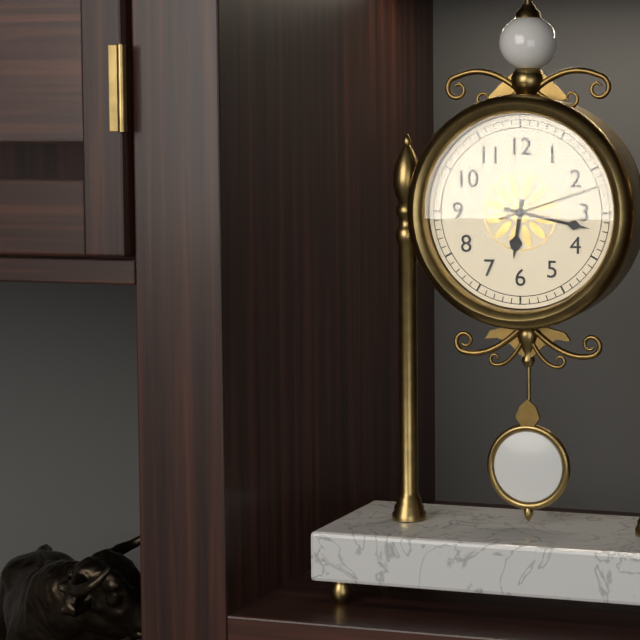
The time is h=6 m=17 s=12
